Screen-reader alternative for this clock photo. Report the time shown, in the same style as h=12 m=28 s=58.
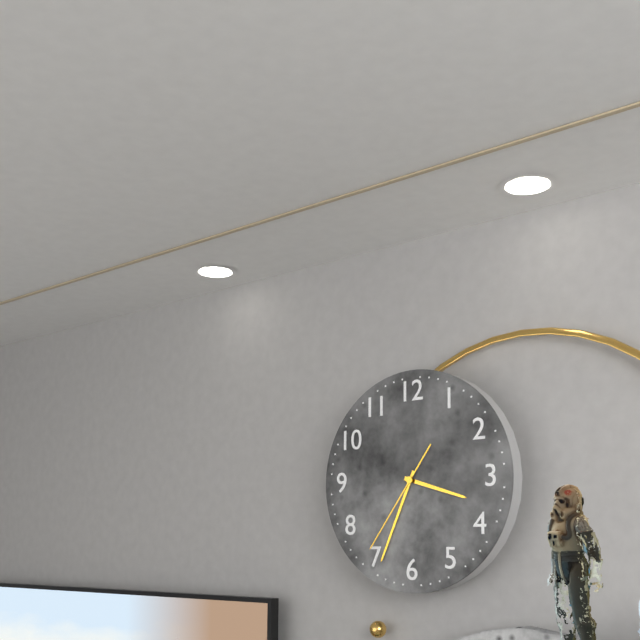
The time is h=3 m=34 s=36
